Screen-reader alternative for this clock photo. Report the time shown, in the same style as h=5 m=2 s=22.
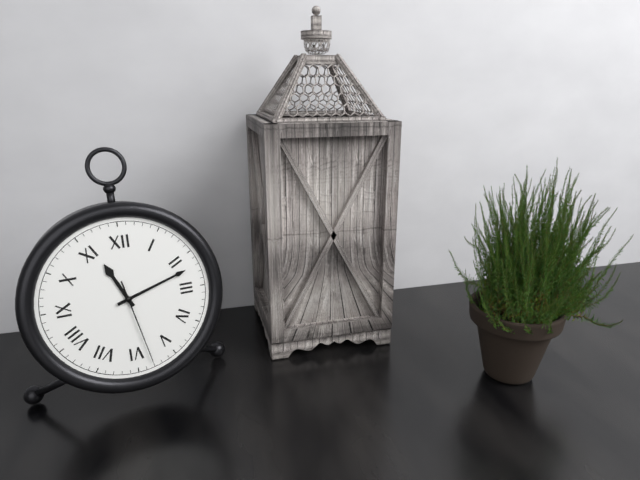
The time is h=11 m=12 s=28
